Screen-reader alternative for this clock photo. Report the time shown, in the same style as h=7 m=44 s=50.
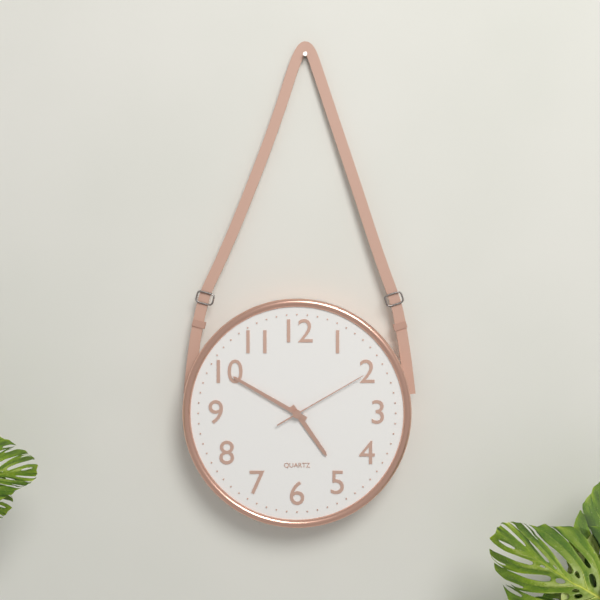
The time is h=4 m=50 s=10
